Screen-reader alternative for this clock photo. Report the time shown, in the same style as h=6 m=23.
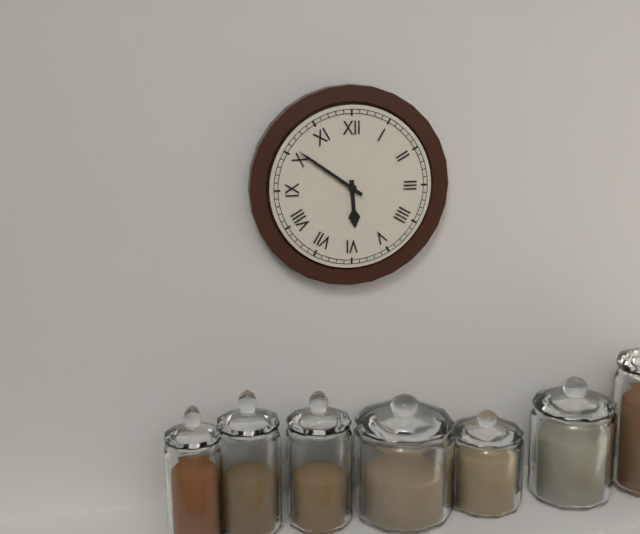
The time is h=5 m=51
